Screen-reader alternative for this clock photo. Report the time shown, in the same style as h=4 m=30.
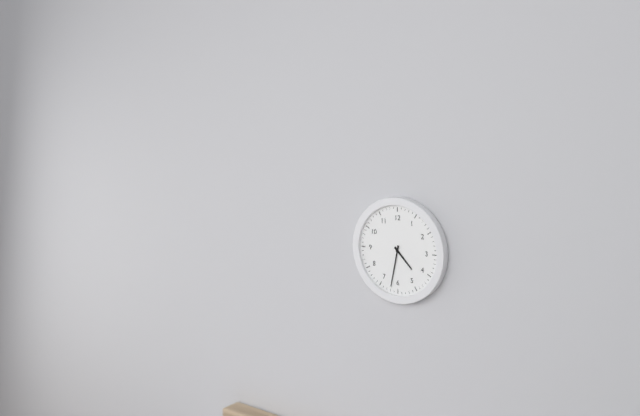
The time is h=4 m=32
